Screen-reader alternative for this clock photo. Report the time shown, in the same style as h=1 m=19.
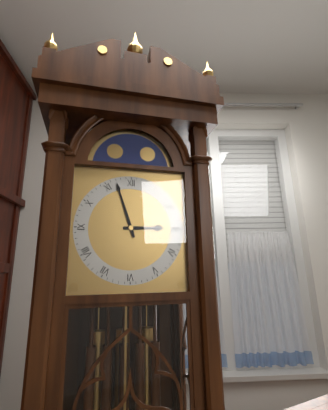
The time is h=2 m=57
